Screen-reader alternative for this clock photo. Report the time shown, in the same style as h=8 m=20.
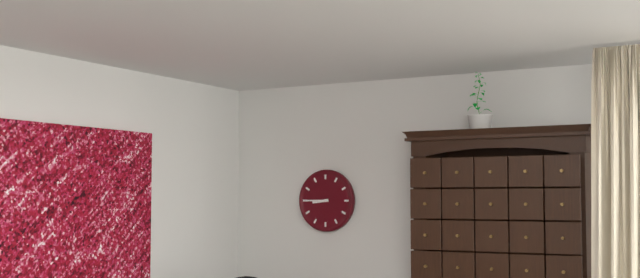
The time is h=8 m=45
